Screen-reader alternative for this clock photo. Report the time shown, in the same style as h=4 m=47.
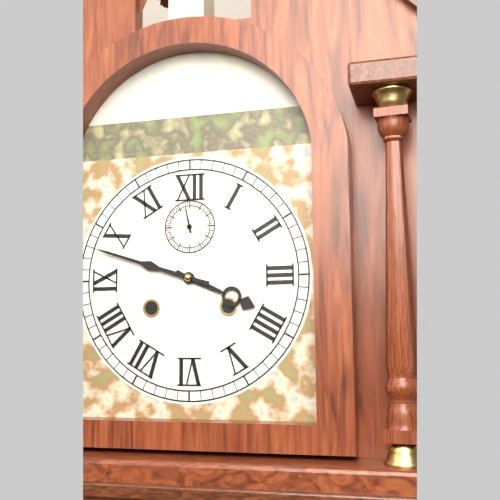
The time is h=3 m=48
